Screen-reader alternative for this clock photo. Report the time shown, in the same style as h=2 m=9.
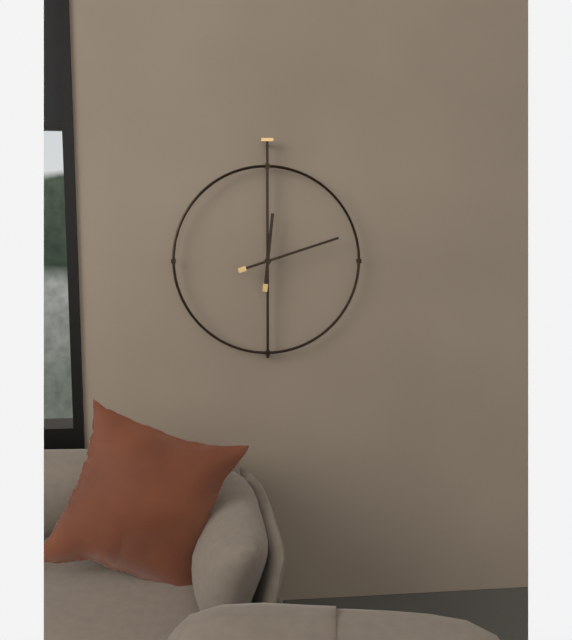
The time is h=12 m=12
